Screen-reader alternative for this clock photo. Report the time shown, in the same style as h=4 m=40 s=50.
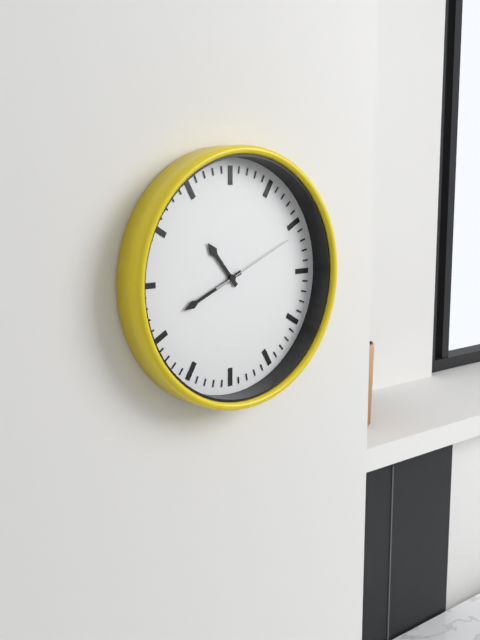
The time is h=10 m=41 s=11
